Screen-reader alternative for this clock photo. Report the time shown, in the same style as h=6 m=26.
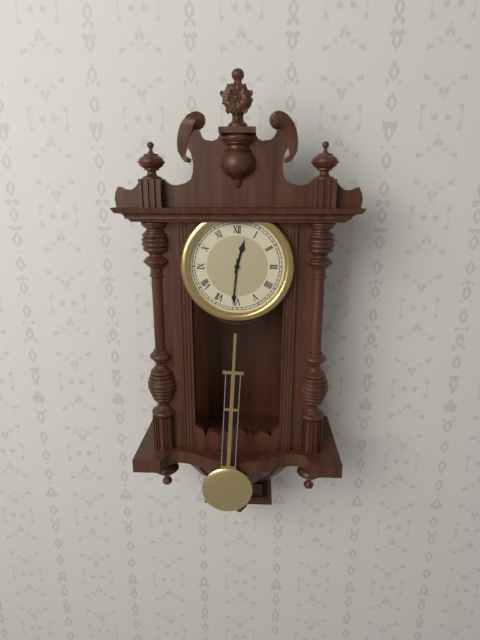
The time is h=12 m=31
